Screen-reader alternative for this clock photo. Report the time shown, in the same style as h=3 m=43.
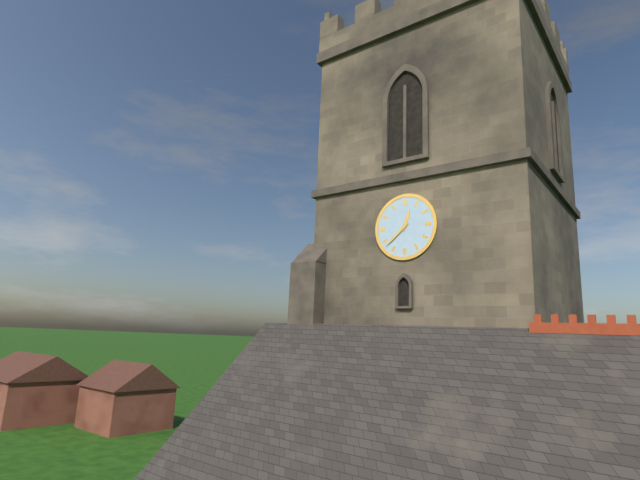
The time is h=12 m=38
